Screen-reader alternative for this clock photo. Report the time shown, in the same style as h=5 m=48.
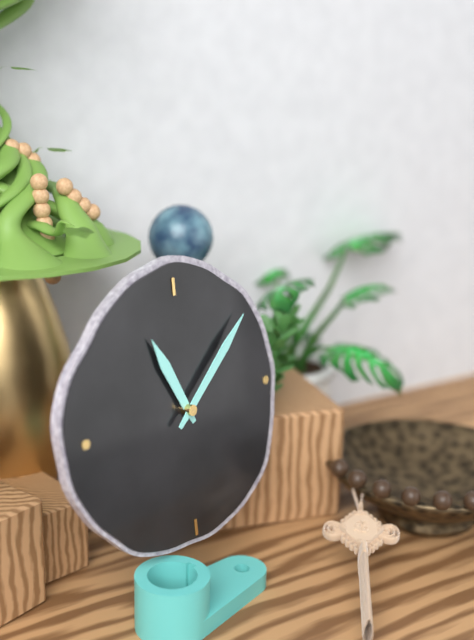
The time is h=11 m=8
